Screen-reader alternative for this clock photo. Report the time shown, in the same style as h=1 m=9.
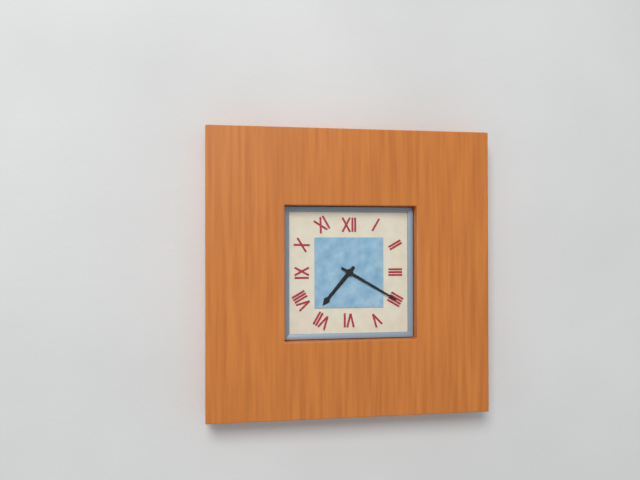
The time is h=7 m=20
